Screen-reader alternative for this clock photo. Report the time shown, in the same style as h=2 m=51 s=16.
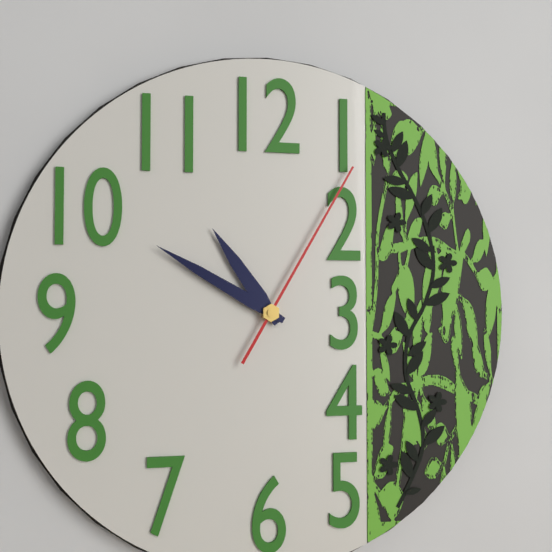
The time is h=10 m=50 s=5
